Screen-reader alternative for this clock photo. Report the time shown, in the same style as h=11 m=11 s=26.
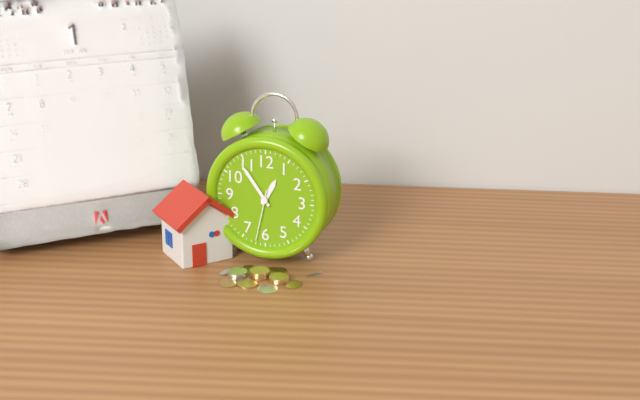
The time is h=12 m=54 s=32
